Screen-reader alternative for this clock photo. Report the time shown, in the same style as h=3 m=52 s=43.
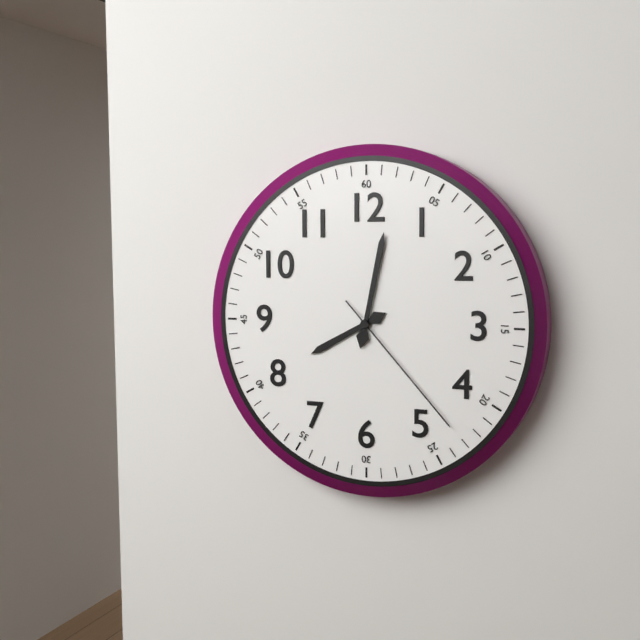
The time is h=8 m=2 s=23
